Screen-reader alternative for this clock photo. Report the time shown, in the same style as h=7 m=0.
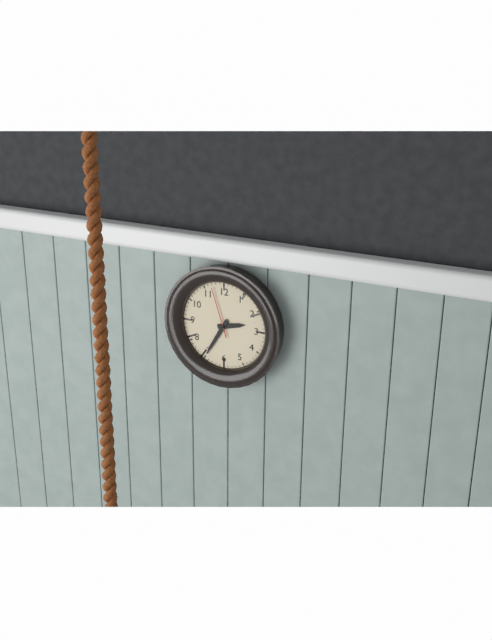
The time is h=2 m=35
